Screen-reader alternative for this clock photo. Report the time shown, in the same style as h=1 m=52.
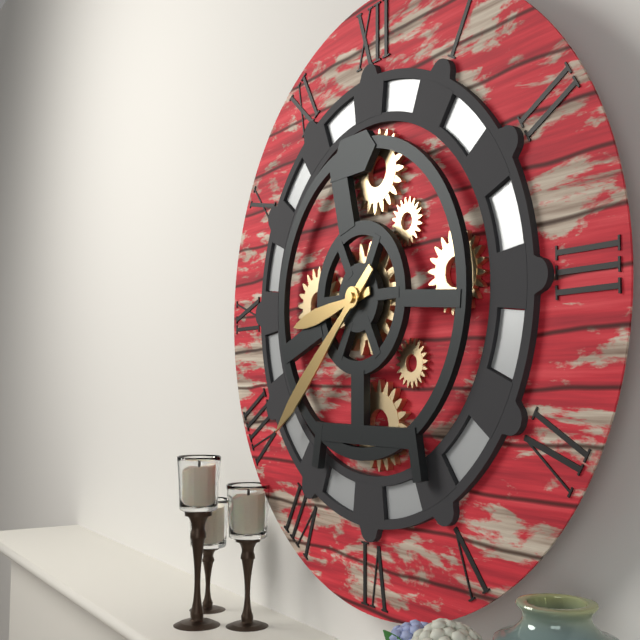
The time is h=8 m=38
